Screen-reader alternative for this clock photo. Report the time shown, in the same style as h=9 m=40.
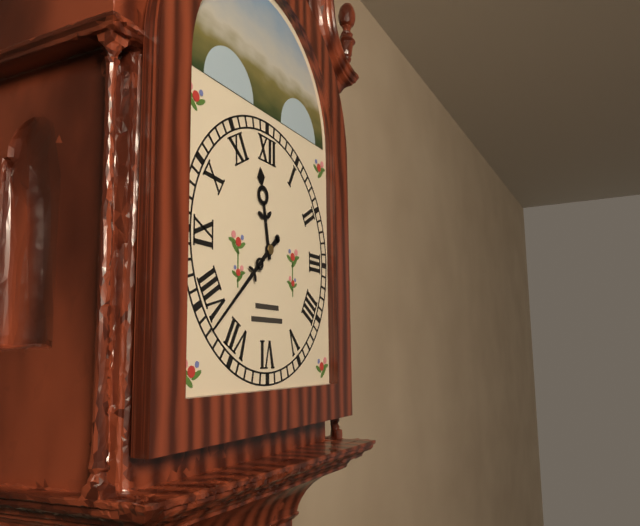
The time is h=11 m=38
